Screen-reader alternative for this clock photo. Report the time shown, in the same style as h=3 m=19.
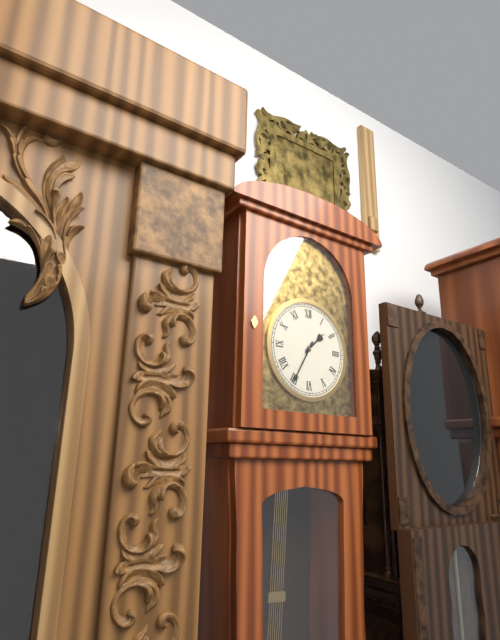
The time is h=1 m=35
